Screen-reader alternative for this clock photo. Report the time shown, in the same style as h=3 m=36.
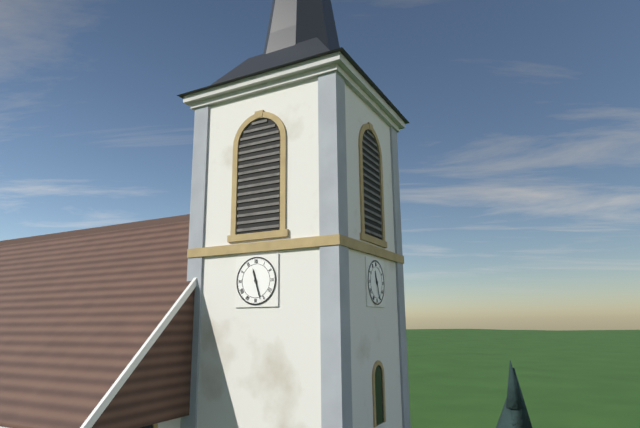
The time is h=11 m=27
